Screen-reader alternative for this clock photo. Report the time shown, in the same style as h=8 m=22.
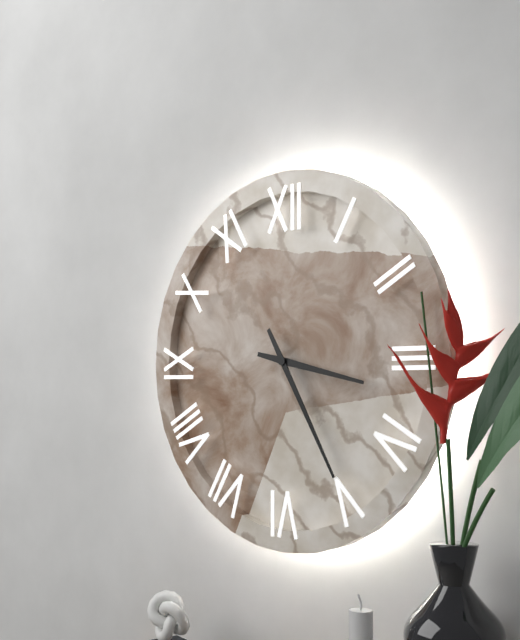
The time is h=3 m=25
